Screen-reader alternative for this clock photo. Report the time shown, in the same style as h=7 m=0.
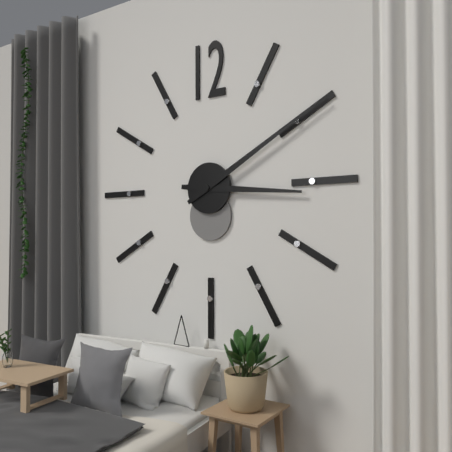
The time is h=3 m=10
